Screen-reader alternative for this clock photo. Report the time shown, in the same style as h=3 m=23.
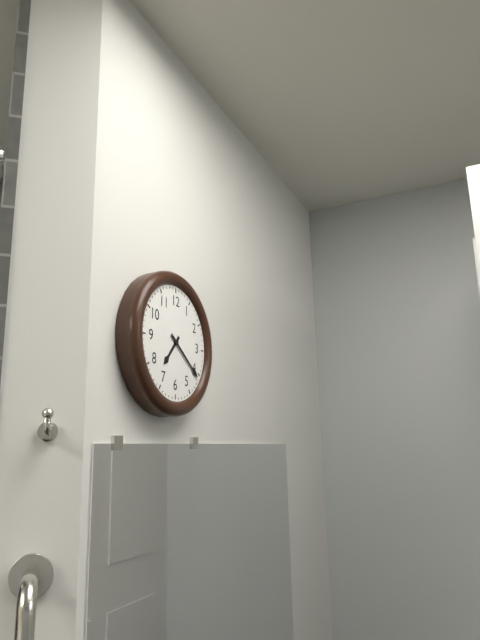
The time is h=7 m=21
